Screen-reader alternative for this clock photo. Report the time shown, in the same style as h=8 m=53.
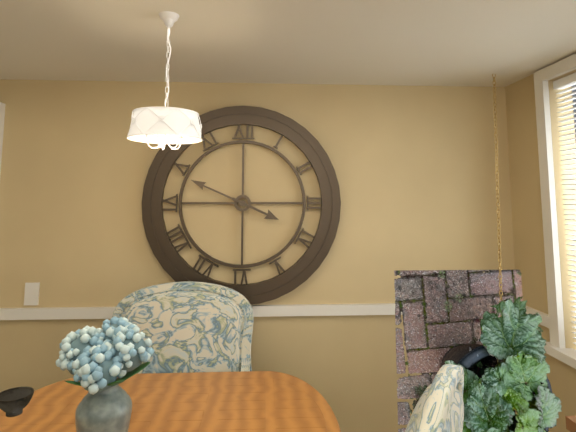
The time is h=3 m=49
